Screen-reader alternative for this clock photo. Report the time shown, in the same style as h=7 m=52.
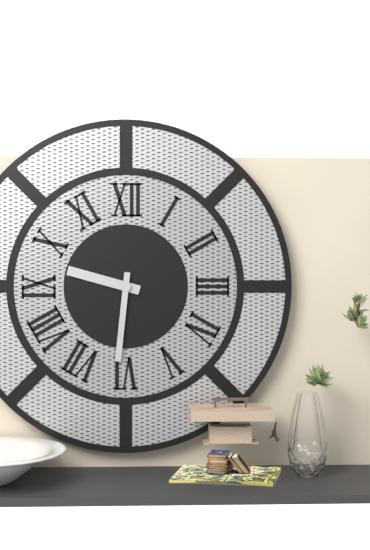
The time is h=9 m=31
